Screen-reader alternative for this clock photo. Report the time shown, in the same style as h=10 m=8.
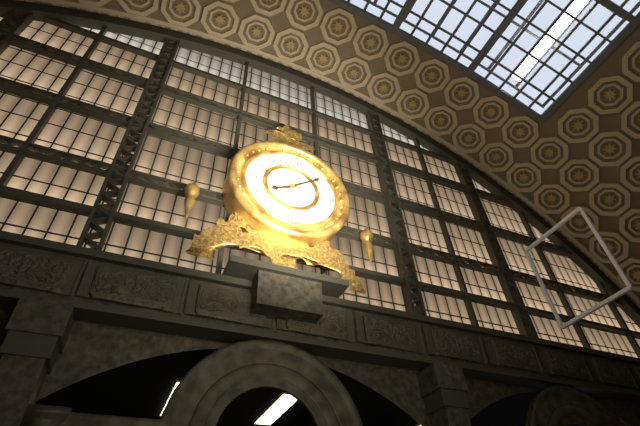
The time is h=8 m=9
